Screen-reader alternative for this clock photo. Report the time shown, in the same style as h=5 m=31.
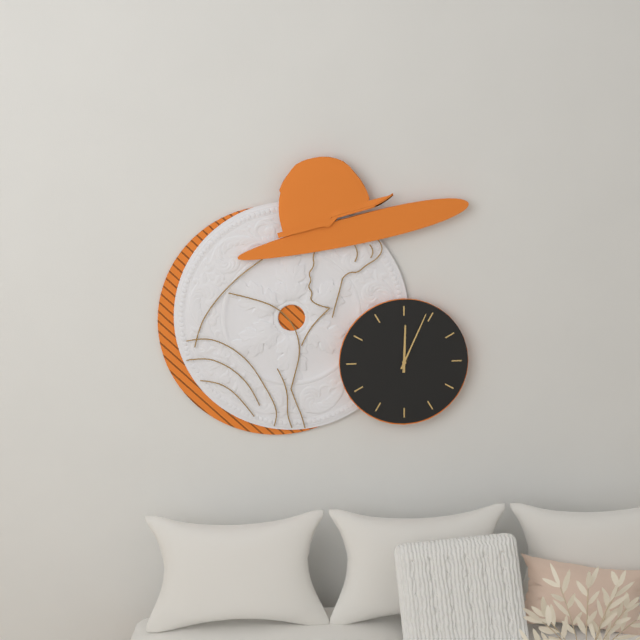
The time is h=12 m=4
